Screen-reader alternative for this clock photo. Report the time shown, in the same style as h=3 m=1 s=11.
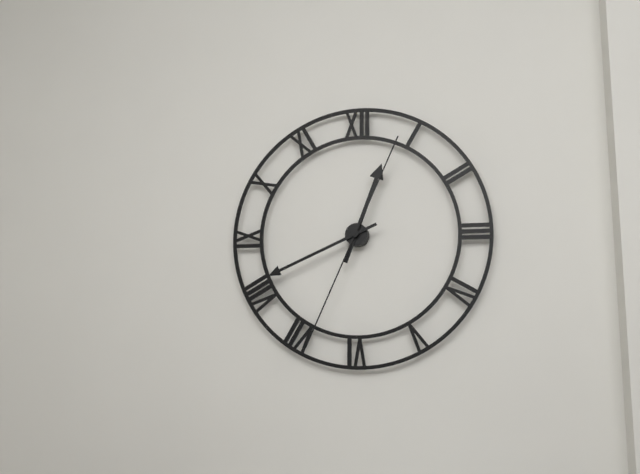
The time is h=12 m=41 s=34
